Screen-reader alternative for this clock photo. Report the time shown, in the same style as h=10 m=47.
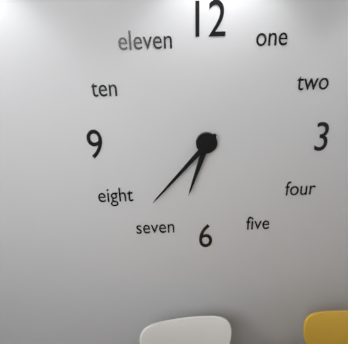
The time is h=6 m=37
